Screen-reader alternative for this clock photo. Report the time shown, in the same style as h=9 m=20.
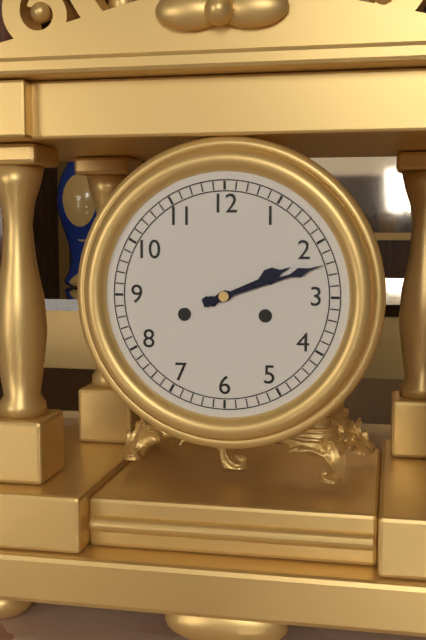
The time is h=2 m=12
